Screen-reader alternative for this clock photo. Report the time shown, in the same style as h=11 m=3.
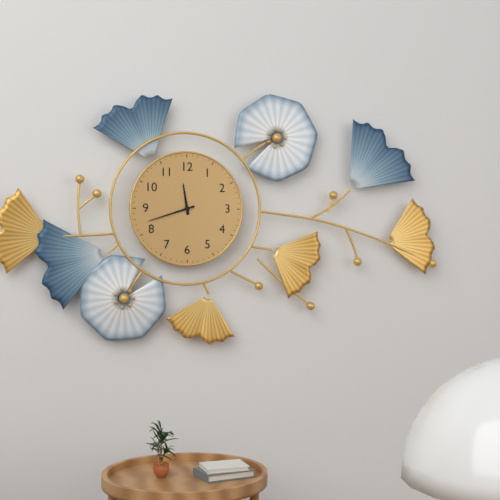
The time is h=11 m=42
